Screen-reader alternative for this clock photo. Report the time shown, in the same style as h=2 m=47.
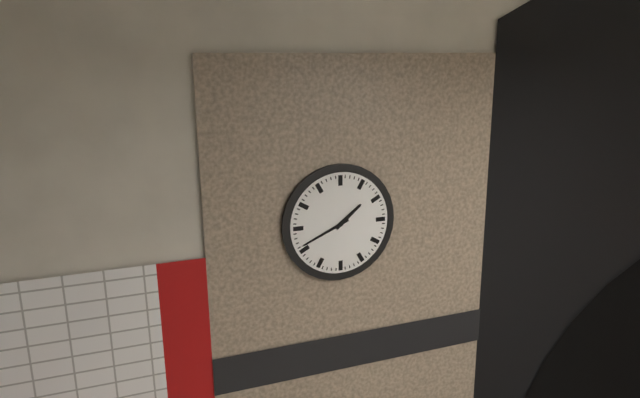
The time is h=1 m=41
